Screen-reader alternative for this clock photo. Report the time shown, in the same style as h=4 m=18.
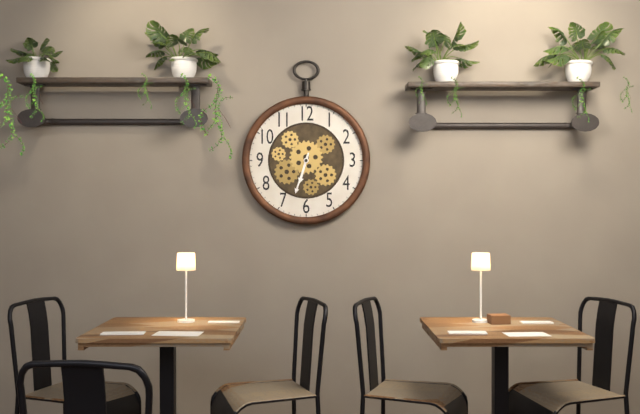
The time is h=6 m=33
